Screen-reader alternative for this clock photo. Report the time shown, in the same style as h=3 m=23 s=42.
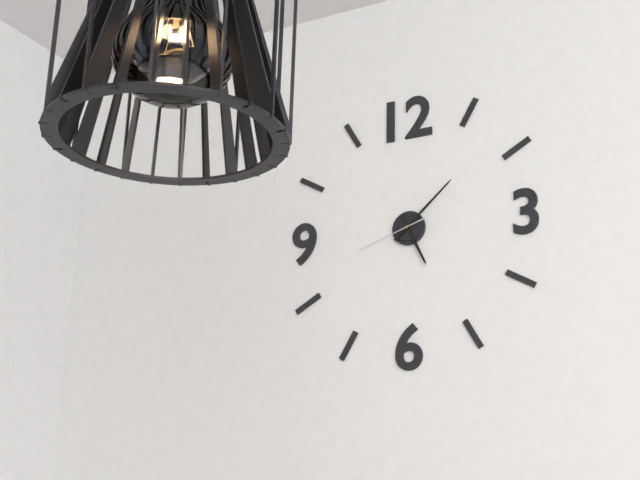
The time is h=5 m=8 s=42
